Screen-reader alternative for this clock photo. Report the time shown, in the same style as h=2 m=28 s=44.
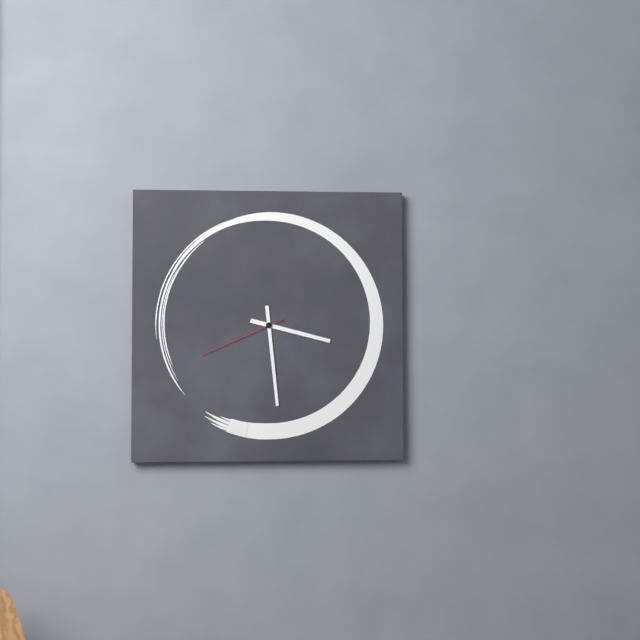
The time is h=3 m=29 s=41
